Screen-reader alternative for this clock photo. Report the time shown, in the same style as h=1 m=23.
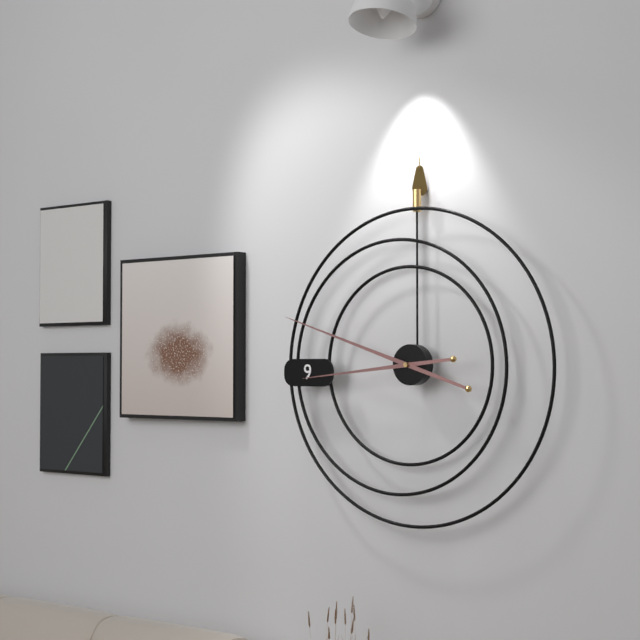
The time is h=8 m=48
